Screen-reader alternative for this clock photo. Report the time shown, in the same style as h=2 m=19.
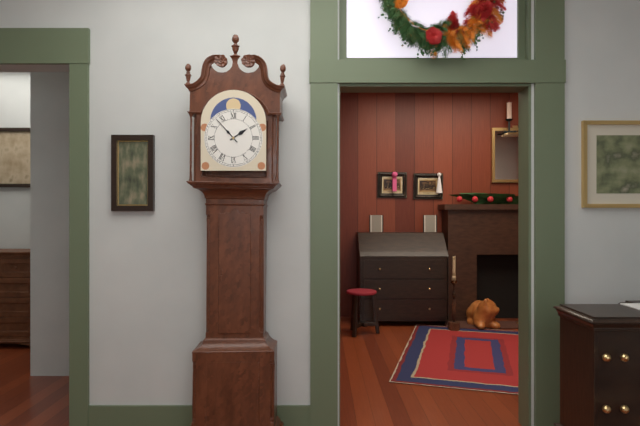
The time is h=1 m=53
